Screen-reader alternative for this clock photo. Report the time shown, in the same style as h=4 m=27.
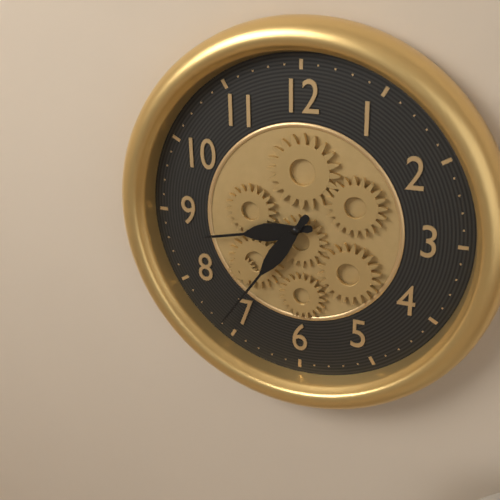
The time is h=8 m=36
